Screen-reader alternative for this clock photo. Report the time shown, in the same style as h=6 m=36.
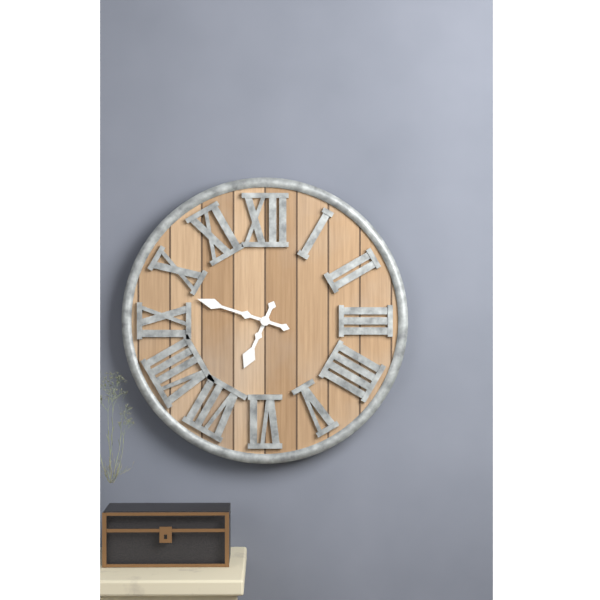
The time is h=6 m=48
